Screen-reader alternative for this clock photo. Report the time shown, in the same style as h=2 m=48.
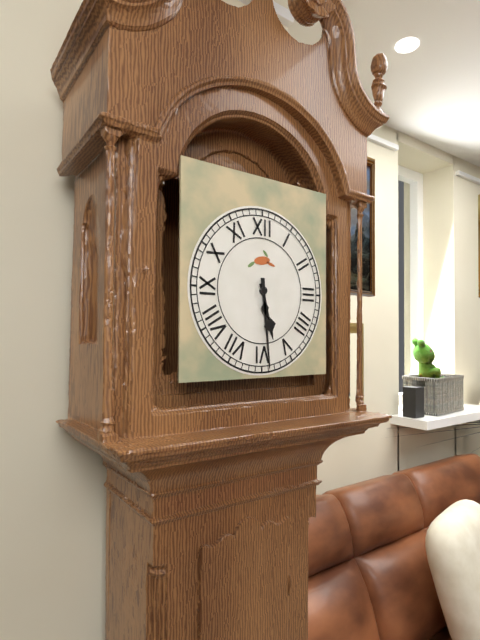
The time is h=5 m=29
